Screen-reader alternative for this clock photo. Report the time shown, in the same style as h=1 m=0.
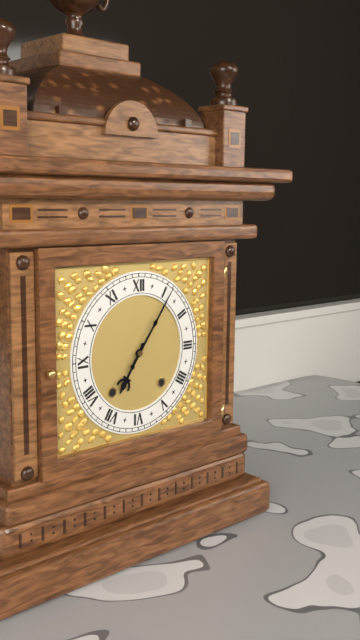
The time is h=7 m=6
